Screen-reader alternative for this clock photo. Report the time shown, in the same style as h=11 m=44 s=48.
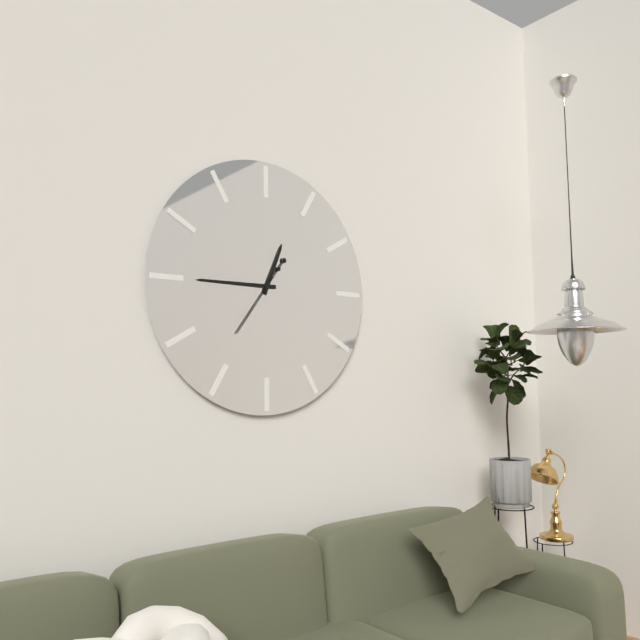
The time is h=12 m=45 s=36
